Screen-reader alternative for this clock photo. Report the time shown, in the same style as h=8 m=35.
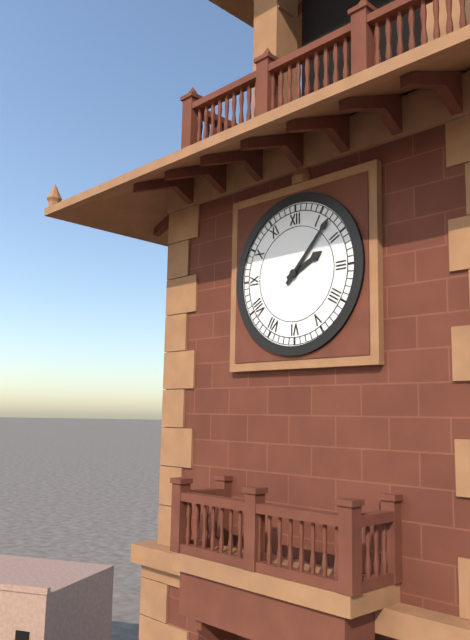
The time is h=2 m=7
